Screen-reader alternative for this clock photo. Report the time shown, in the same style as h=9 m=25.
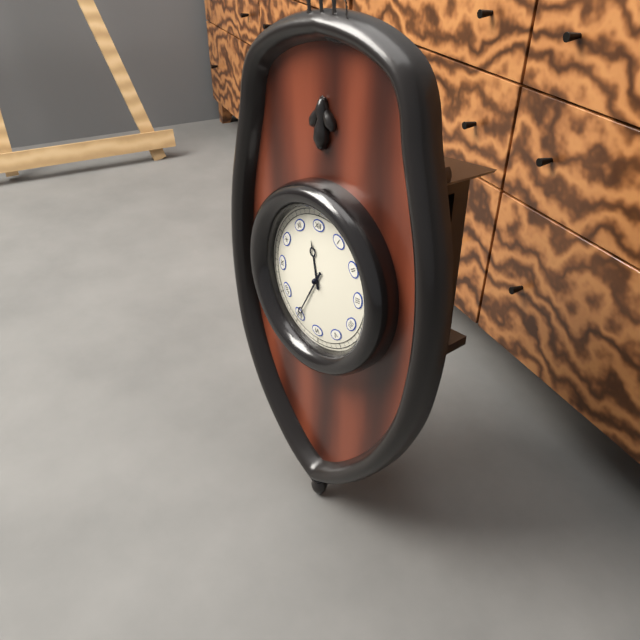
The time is h=11 m=35
